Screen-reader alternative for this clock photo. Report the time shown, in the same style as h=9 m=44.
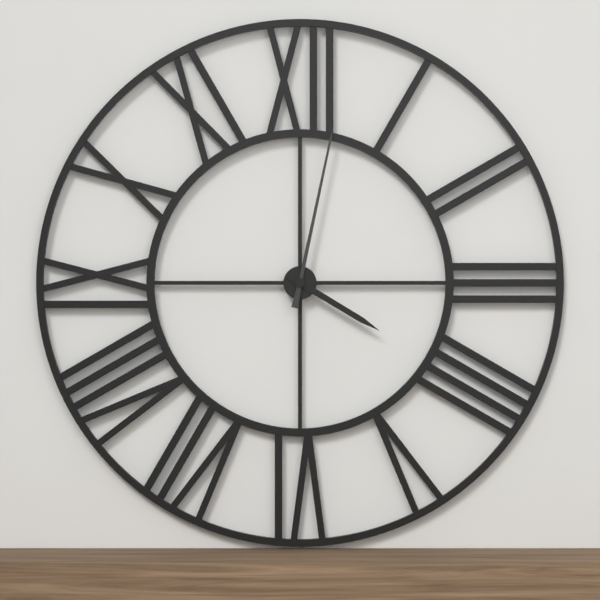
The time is h=4 m=2
